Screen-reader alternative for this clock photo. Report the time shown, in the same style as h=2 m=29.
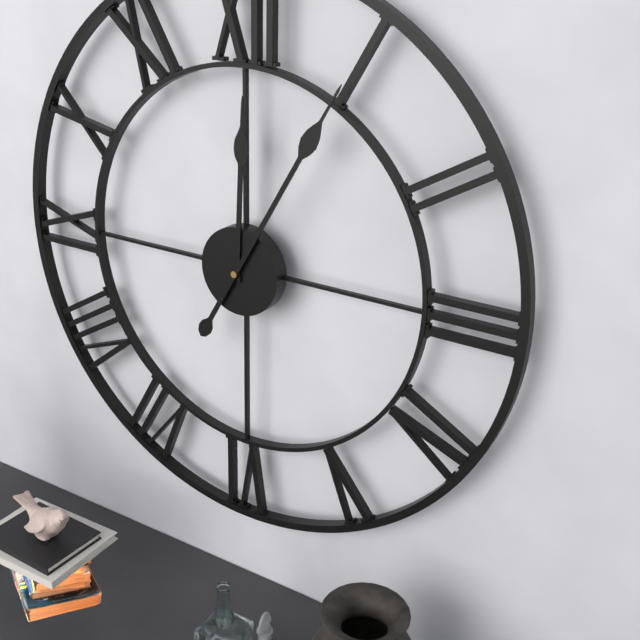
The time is h=12 m=5
